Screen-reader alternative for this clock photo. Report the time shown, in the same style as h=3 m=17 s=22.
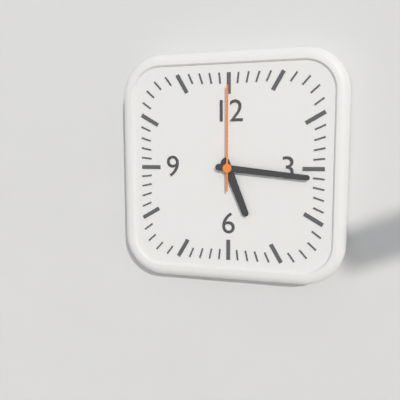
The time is h=5 m=16 s=0
